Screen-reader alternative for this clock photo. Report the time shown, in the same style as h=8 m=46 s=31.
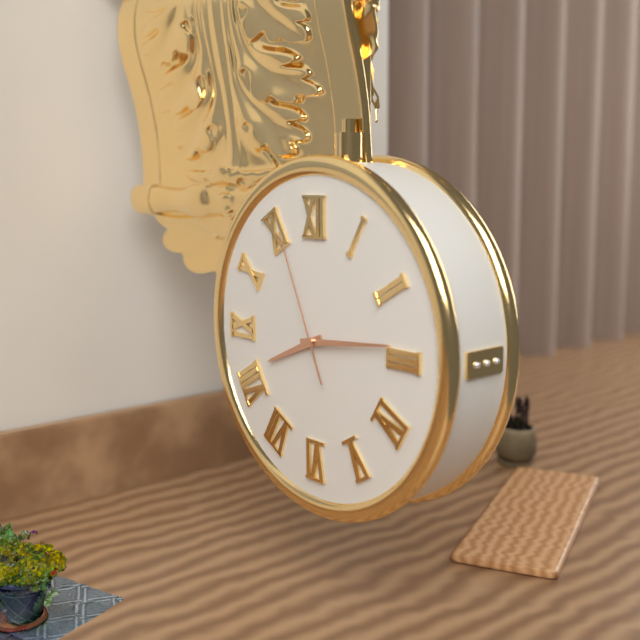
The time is h=8 m=14 s=56
